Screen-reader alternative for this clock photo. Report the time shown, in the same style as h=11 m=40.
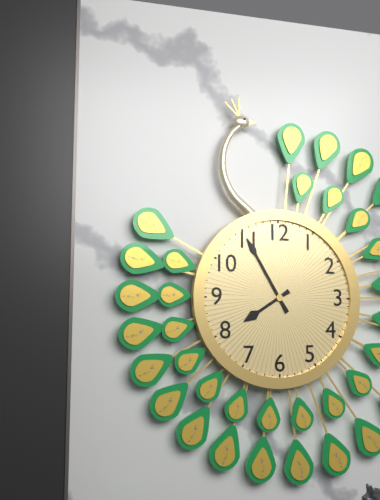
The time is h=7 m=55
